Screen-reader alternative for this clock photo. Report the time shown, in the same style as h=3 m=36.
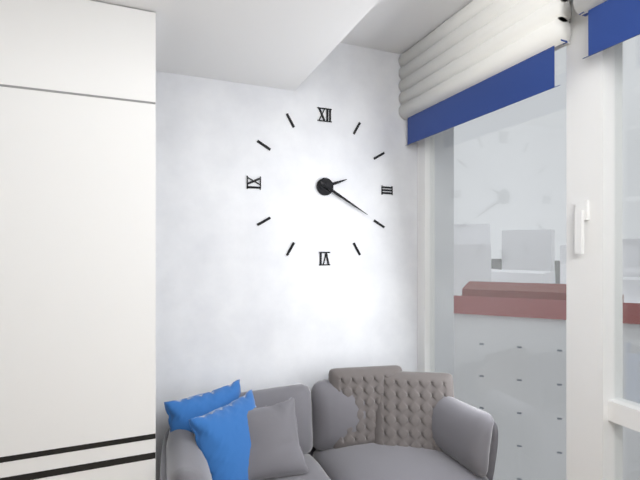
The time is h=2 m=20
